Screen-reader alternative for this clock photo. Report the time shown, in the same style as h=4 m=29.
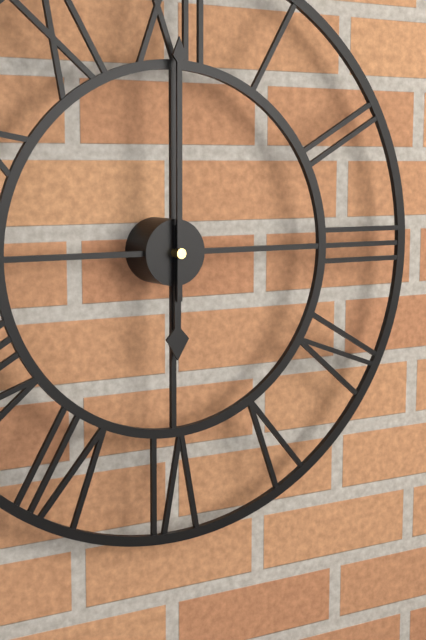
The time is h=6 m=0
